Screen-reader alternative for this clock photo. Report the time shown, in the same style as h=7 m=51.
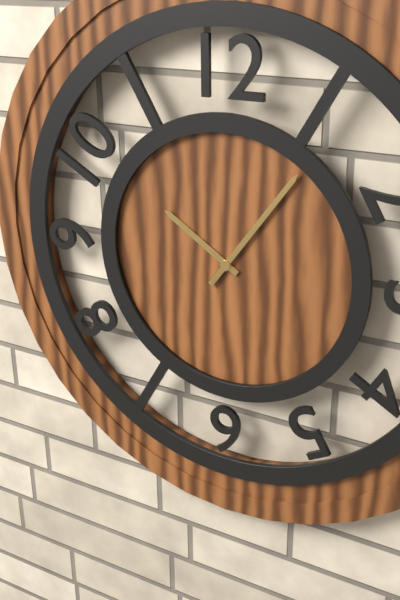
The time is h=10 m=6
